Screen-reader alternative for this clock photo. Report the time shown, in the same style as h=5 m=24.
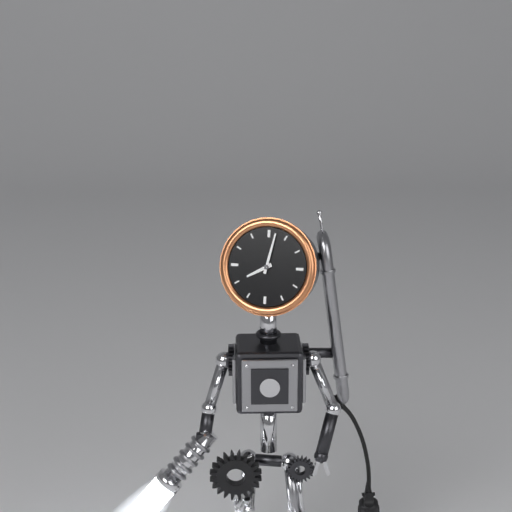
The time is h=8 m=2
